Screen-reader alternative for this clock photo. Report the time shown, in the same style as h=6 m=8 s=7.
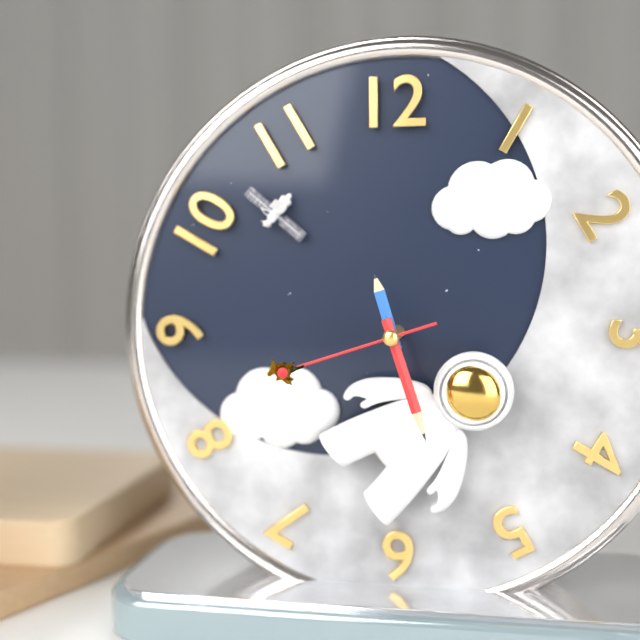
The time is h=11 m=27 s=42
